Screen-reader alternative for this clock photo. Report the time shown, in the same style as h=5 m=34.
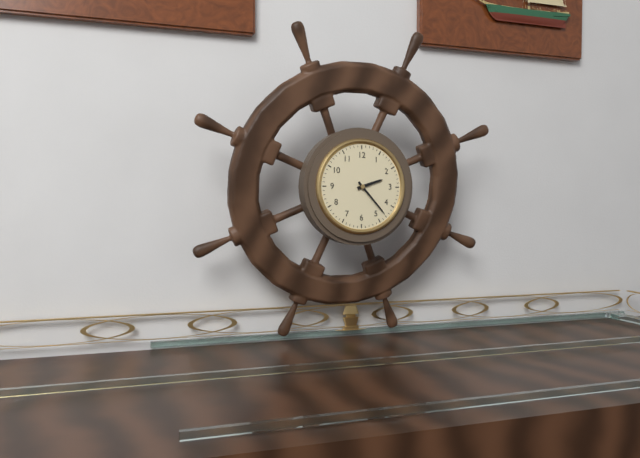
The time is h=2 m=23
